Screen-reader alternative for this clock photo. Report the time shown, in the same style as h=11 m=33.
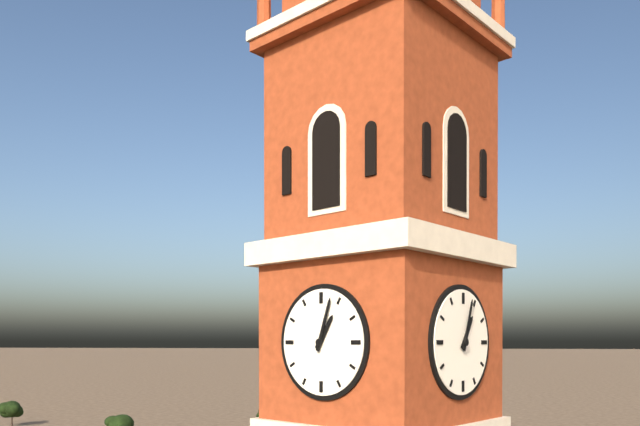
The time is h=1 m=3
